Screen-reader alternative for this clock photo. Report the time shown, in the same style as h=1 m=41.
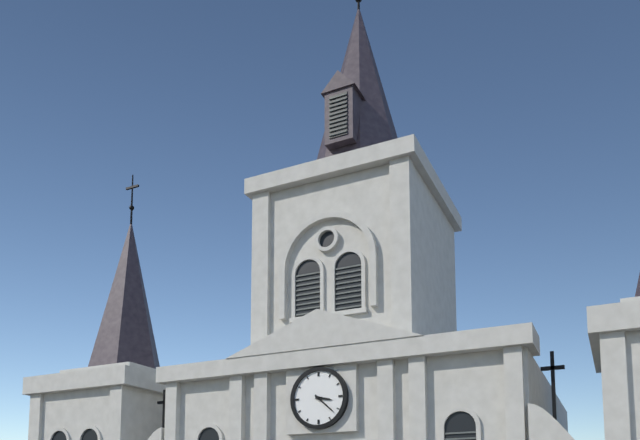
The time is h=3 m=22
